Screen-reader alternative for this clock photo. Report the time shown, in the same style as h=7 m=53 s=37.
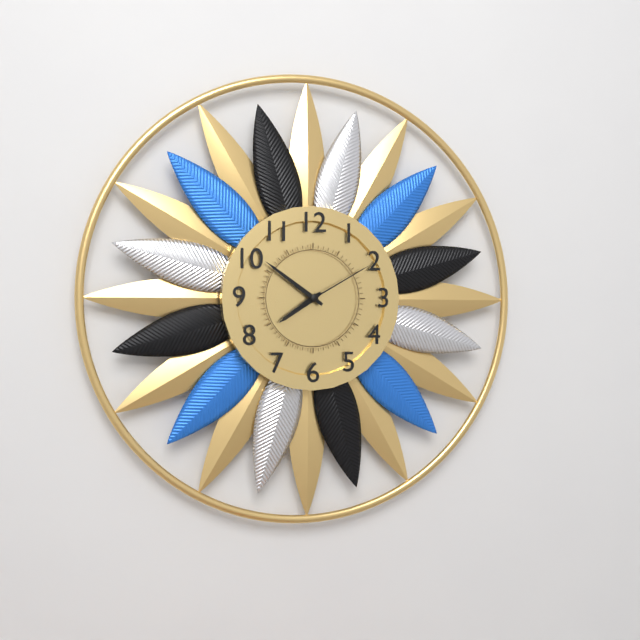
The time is h=7 m=51 s=10
